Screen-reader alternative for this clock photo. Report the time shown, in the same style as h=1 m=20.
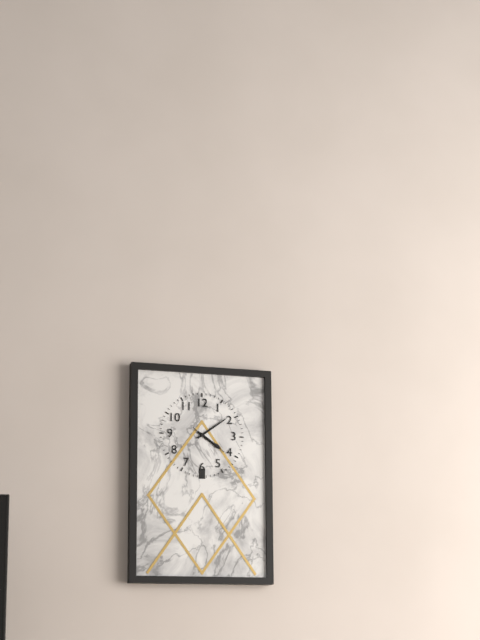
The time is h=4 m=9
